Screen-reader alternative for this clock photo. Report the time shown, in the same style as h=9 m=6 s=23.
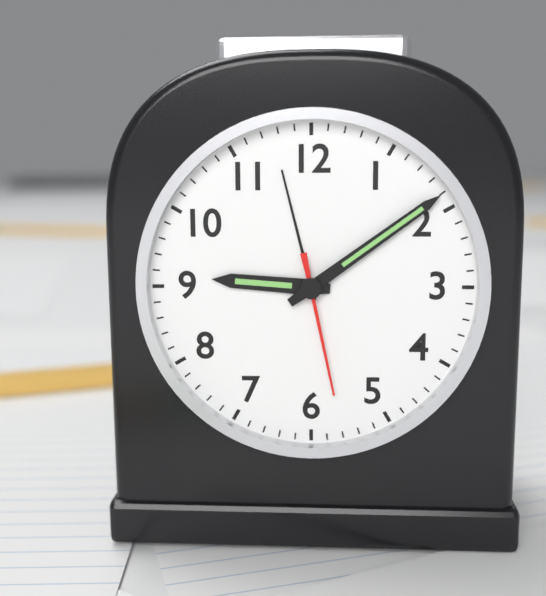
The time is h=9 m=9 s=28
